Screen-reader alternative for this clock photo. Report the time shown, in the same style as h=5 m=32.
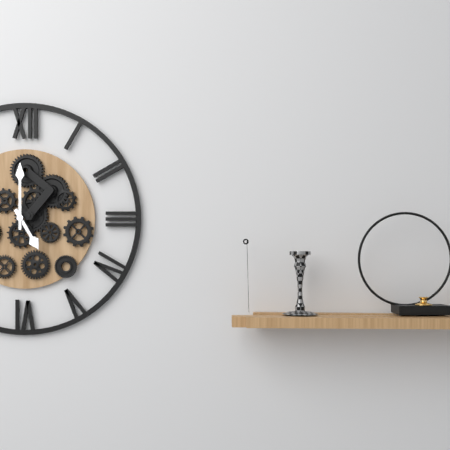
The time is h=5 m=0
